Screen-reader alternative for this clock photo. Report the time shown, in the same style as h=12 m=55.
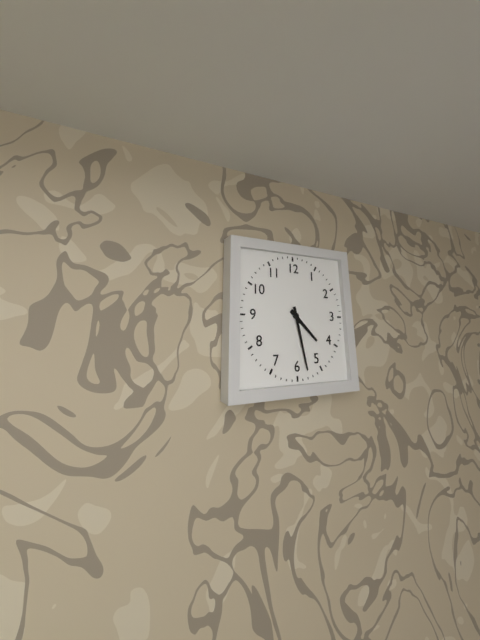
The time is h=4 m=28
